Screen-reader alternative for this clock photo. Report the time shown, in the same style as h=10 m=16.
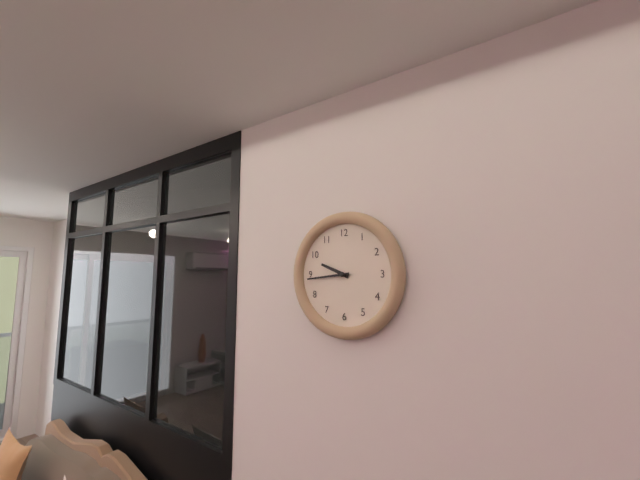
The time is h=9 m=44
